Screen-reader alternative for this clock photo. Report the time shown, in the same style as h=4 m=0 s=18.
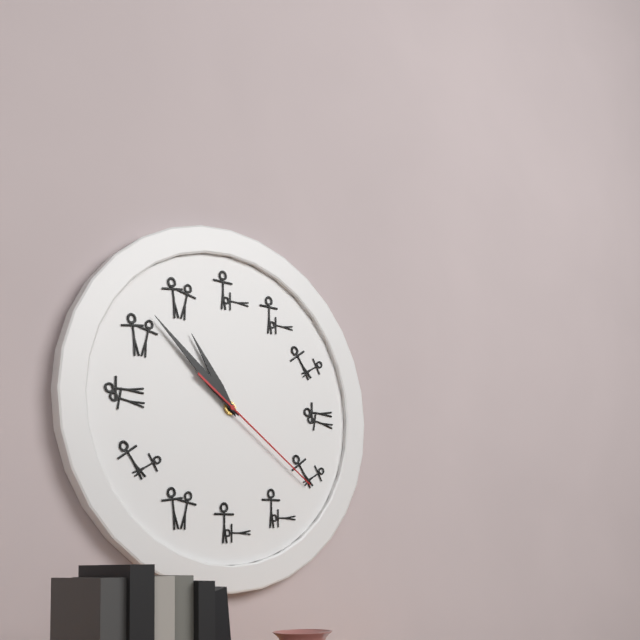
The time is h=10 m=52 s=21
